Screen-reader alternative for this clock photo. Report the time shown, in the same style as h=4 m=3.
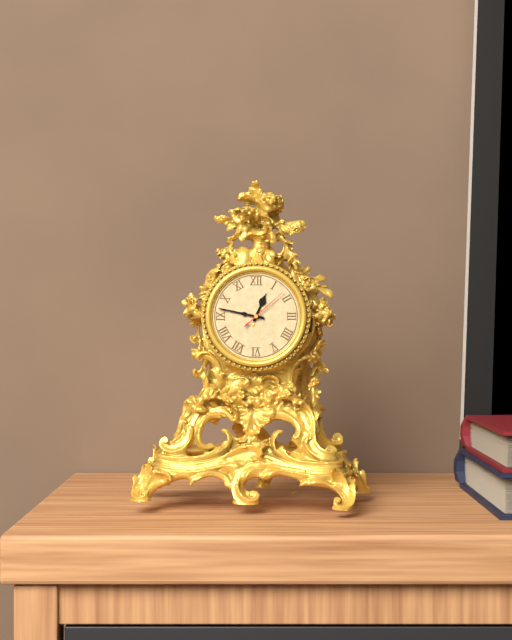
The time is h=12 m=47
